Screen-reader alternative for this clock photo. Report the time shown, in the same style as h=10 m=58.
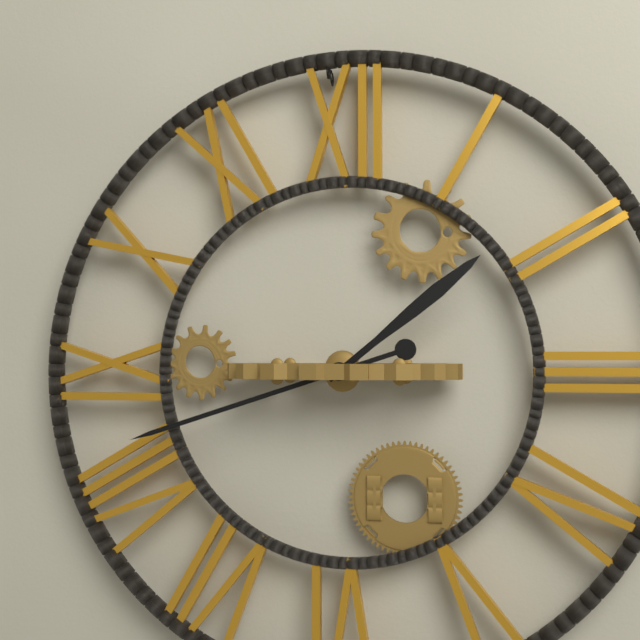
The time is h=1 m=42
